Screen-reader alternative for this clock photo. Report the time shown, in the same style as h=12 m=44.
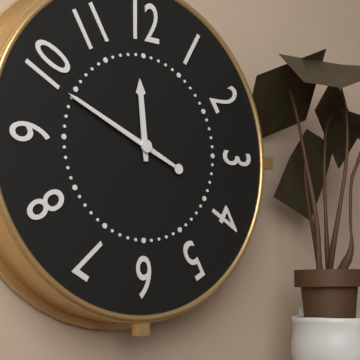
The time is h=11 m=49
